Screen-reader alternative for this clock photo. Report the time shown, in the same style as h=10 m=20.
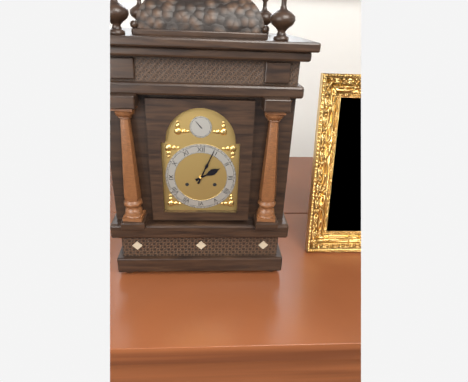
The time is h=2 m=4
